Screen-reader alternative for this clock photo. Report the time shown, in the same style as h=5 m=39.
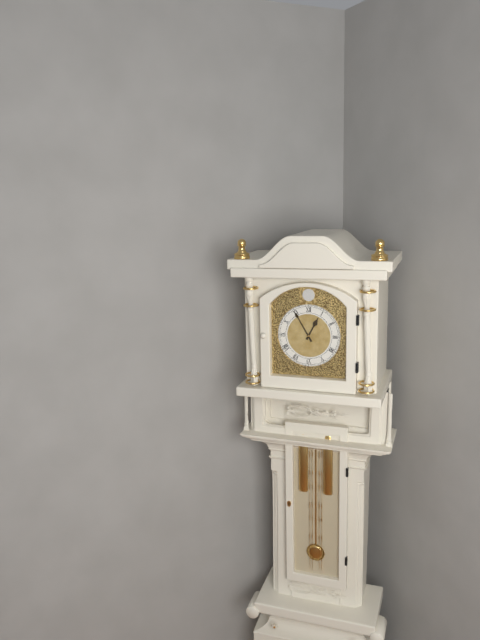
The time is h=12 m=55
